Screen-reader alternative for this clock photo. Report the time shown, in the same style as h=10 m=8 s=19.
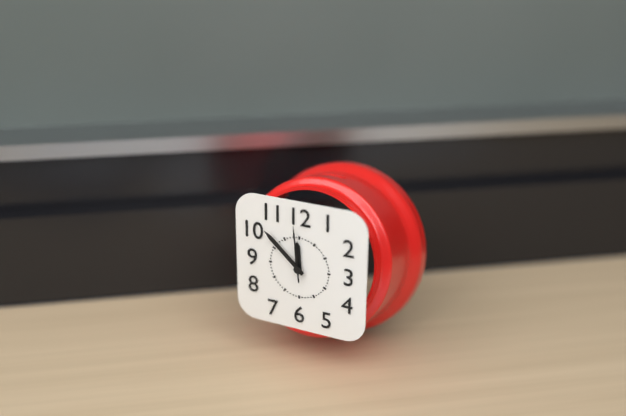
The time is h=11 m=52 s=59
